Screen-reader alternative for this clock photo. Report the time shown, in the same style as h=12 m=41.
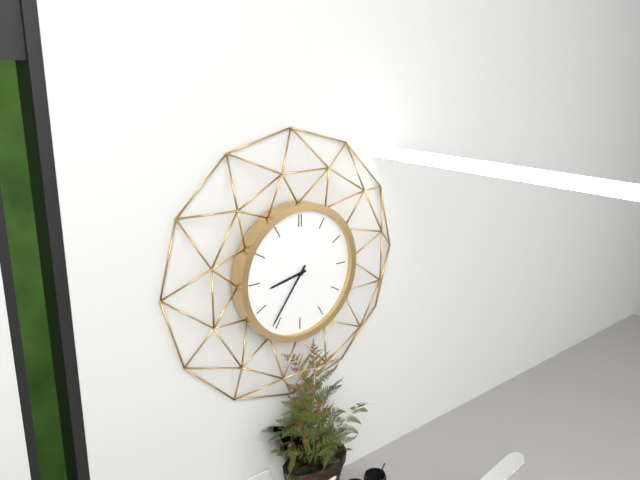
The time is h=8 m=36
